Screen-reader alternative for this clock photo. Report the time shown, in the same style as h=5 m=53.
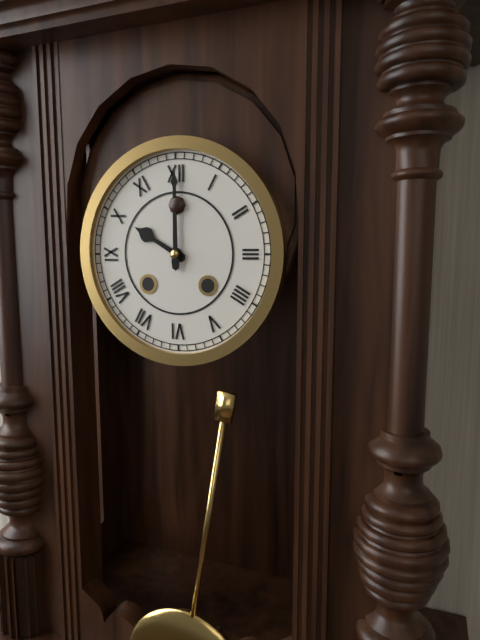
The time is h=10 m=0
